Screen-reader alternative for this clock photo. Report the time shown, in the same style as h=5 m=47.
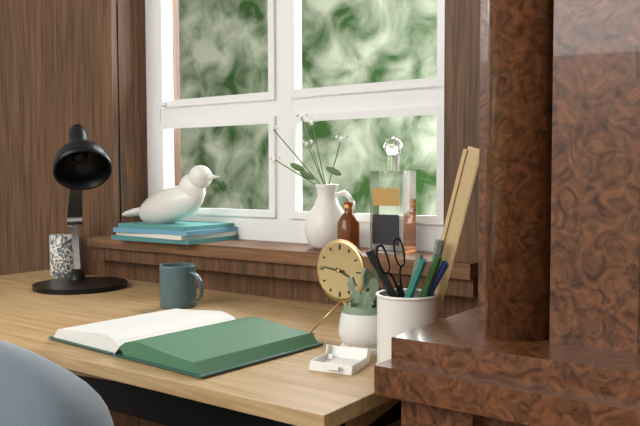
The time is h=3 m=46
